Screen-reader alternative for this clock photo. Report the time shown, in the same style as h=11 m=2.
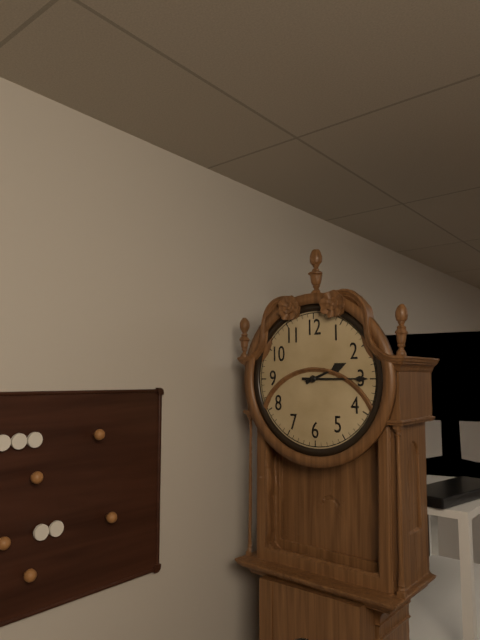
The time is h=2 m=15
